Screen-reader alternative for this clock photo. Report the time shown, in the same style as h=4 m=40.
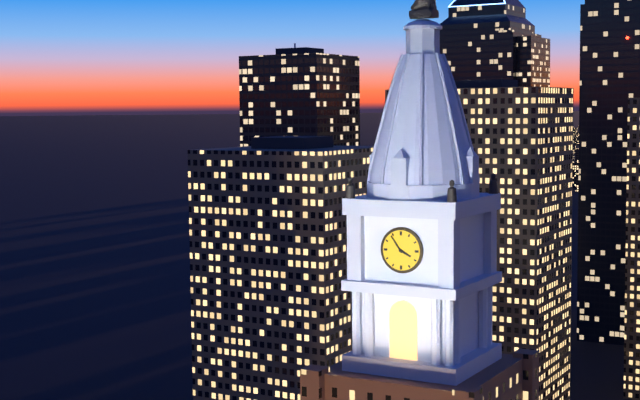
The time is h=3 m=54
